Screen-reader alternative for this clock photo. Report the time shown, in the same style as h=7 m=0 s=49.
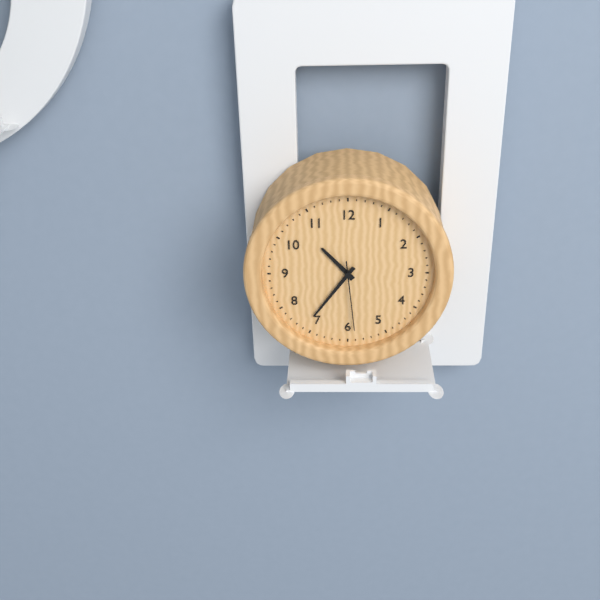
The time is h=10 m=36 s=29
